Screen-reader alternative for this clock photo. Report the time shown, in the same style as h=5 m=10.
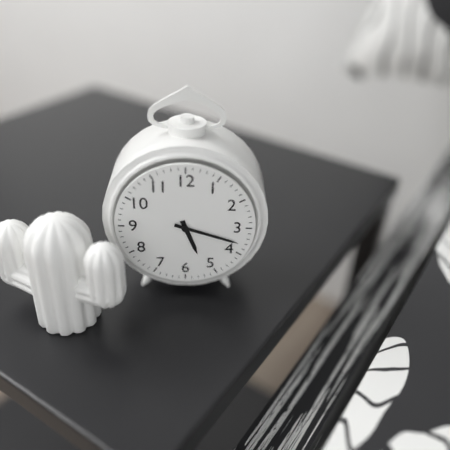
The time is h=5 m=18
